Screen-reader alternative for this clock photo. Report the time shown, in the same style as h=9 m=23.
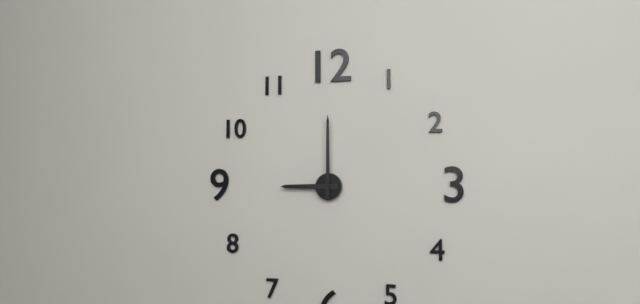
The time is h=9 m=0
